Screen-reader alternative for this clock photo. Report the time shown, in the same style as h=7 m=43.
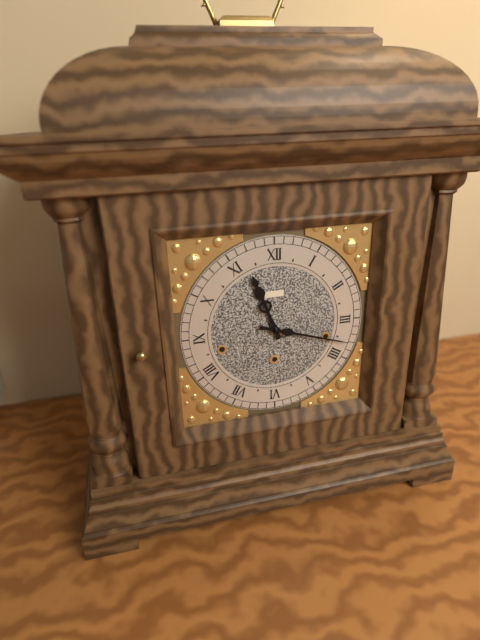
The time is h=11 m=18
